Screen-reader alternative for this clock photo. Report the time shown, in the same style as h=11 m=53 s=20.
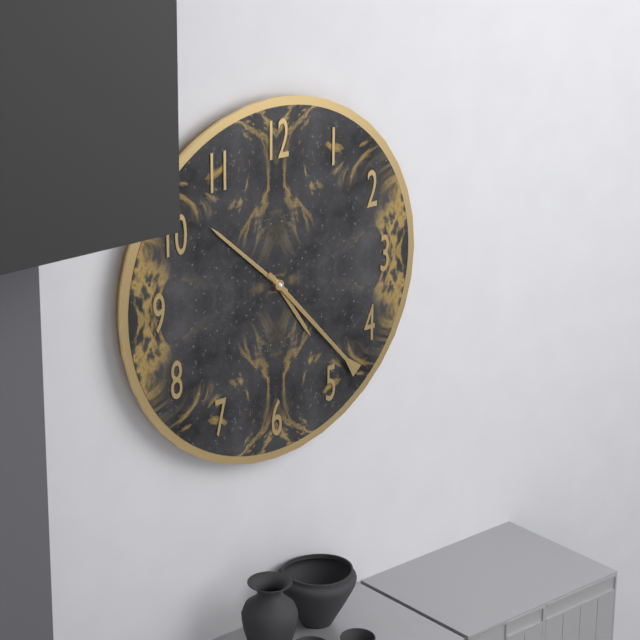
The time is h=4 m=52 s=23
